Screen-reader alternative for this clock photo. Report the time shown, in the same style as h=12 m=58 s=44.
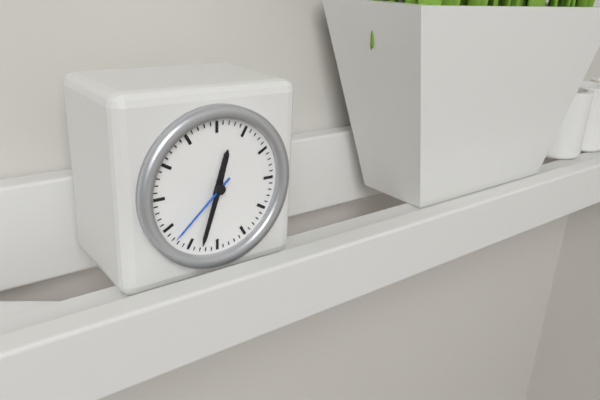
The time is h=12 m=33 s=38
